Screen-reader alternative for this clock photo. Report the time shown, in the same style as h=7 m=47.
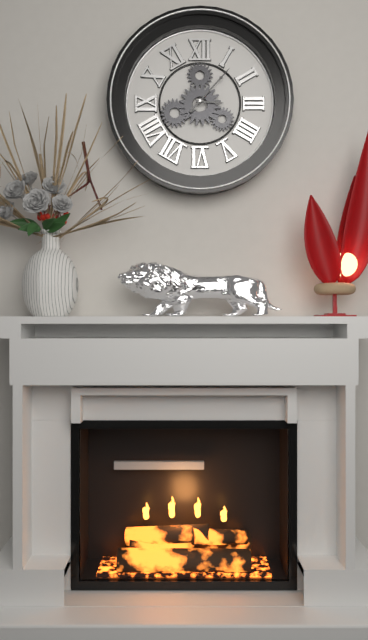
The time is h=3 m=7
